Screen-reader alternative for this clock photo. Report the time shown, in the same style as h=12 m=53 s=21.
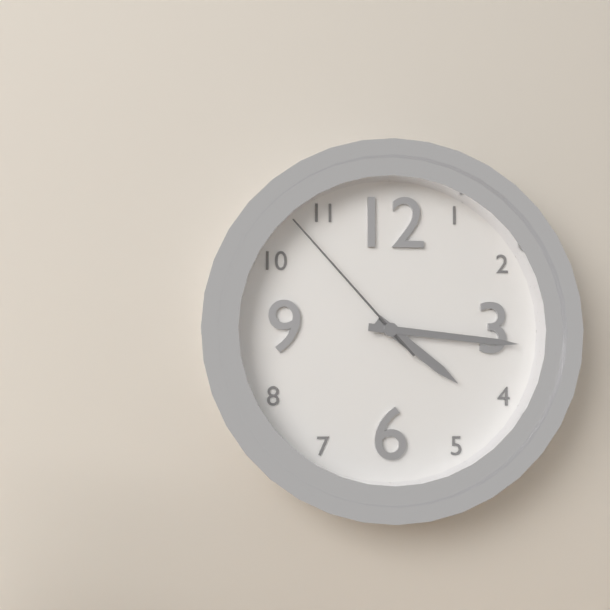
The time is h=4 m=16 s=53
